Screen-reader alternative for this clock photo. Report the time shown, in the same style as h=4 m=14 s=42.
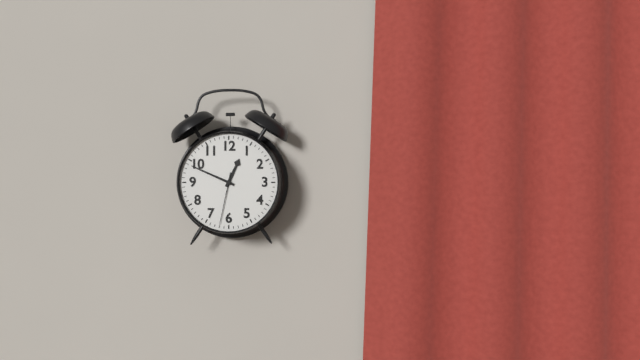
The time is h=12 m=49 s=32
